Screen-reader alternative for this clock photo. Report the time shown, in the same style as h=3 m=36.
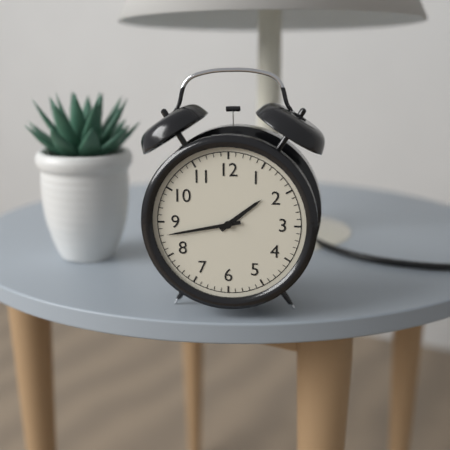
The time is h=1 m=43
